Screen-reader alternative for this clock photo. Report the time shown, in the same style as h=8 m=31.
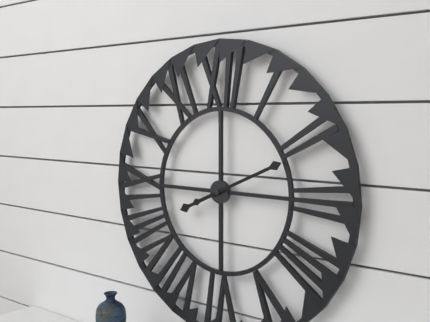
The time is h=8 m=11
